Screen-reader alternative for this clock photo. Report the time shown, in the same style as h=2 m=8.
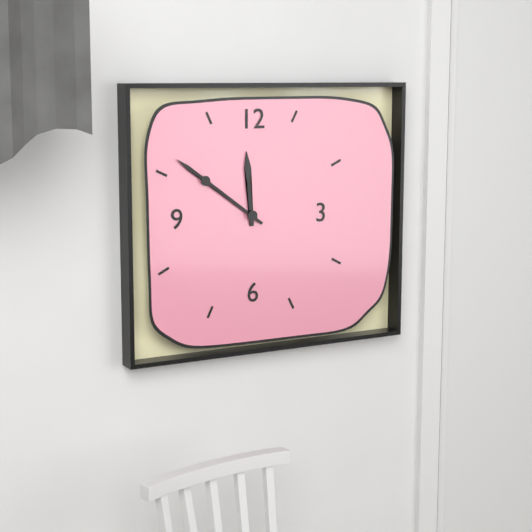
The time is h=11 m=51
